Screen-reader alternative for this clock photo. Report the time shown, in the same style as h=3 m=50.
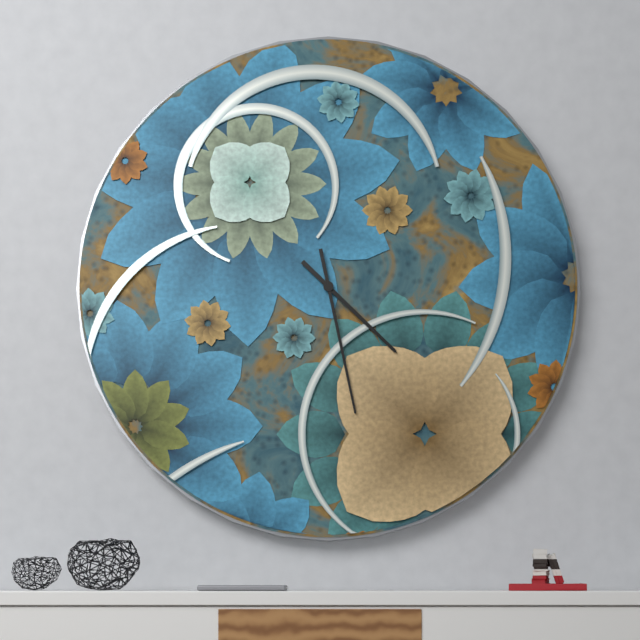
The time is h=4 m=28
